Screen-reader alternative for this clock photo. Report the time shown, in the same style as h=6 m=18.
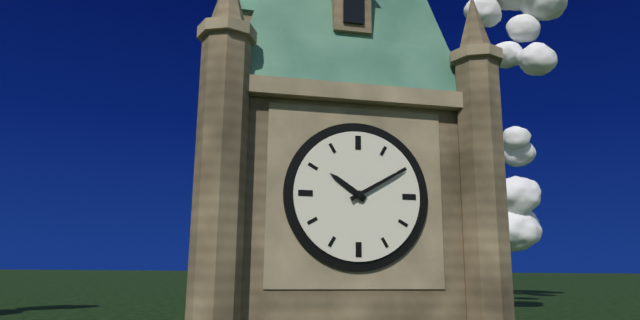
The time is h=10 m=10
